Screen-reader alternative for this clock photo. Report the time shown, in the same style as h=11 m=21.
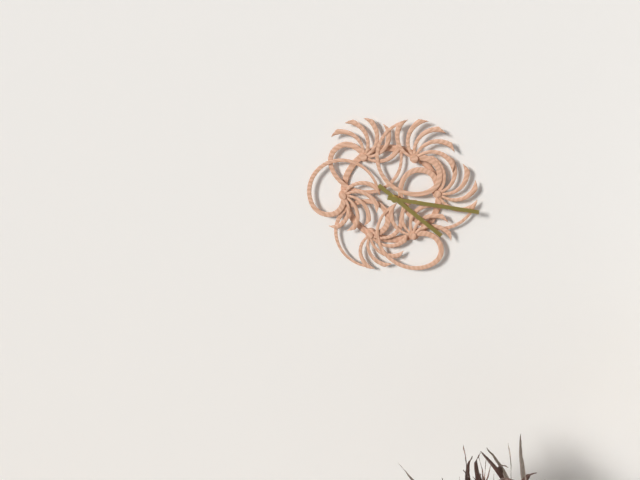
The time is h=4 m=16
